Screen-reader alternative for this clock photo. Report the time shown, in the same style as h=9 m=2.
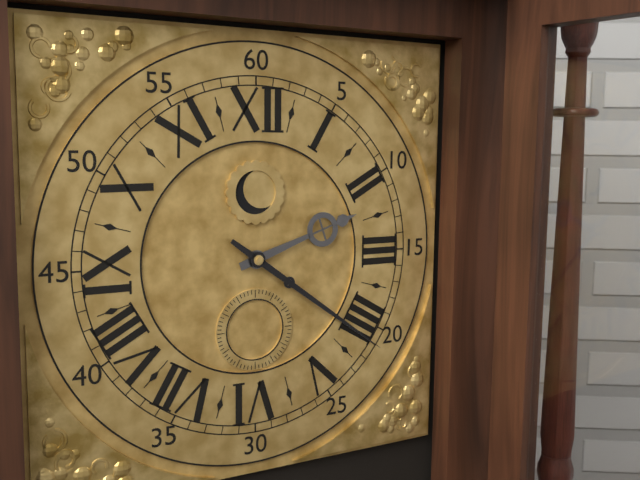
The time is h=2 m=21
